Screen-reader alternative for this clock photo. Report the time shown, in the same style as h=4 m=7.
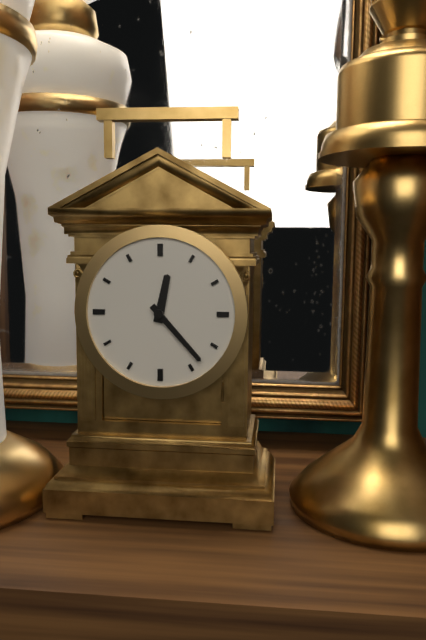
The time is h=12 m=23
